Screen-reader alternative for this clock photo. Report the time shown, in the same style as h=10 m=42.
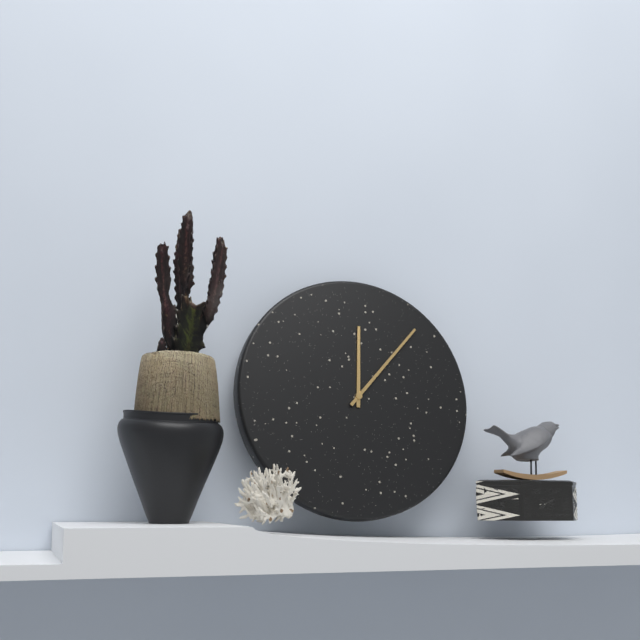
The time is h=12 m=7
